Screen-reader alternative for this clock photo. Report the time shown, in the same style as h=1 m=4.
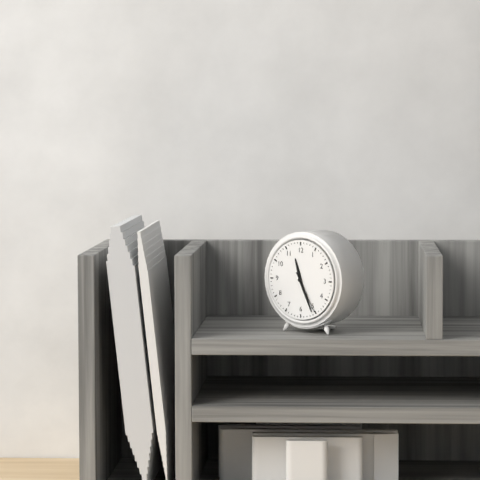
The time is h=11 m=26
